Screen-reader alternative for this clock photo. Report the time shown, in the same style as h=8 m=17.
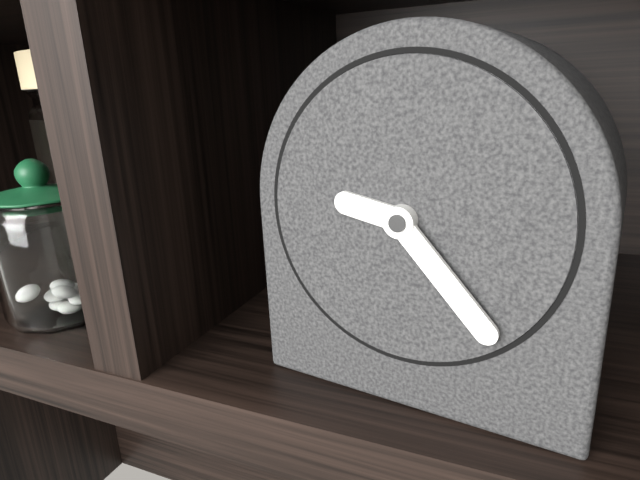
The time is h=9 m=23
